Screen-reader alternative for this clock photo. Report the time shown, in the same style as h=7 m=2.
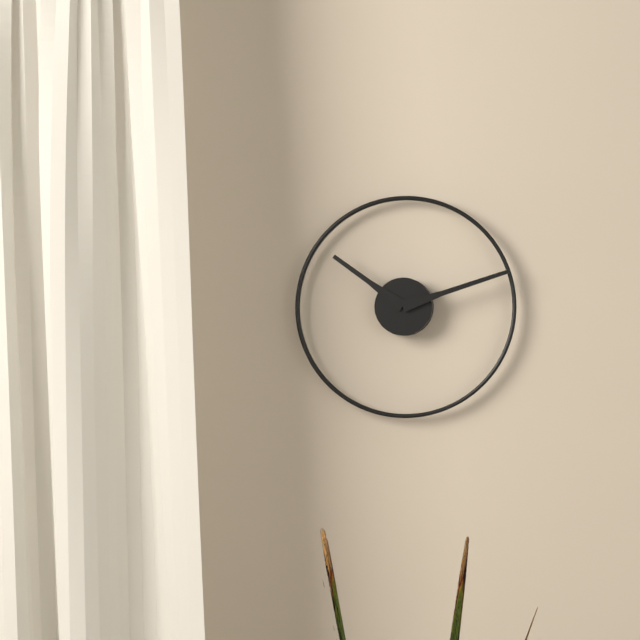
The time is h=10 m=12
